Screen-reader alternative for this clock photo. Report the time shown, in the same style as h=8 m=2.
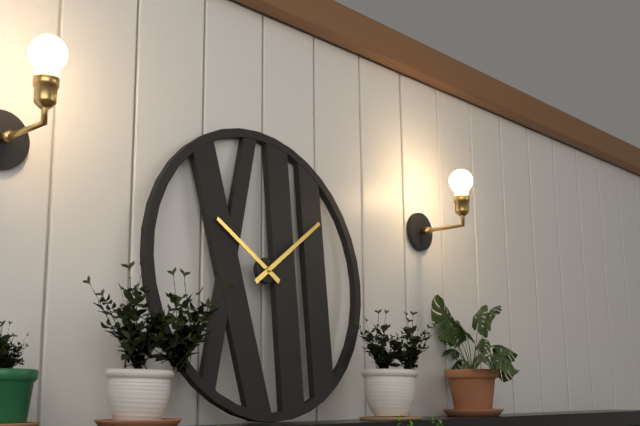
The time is h=10 m=9
